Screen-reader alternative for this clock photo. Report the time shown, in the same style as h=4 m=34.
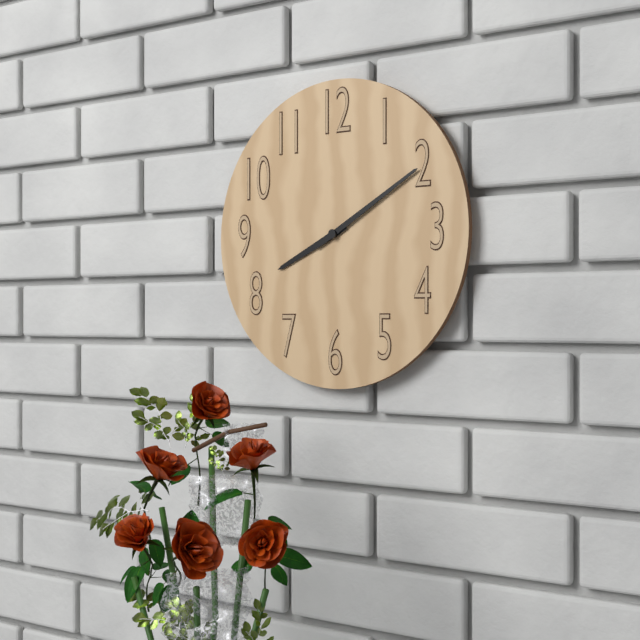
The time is h=8 m=10
